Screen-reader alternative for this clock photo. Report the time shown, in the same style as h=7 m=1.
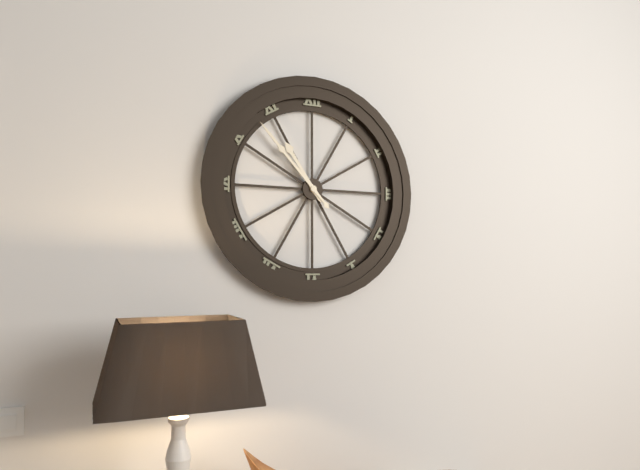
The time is h=10 m=53
